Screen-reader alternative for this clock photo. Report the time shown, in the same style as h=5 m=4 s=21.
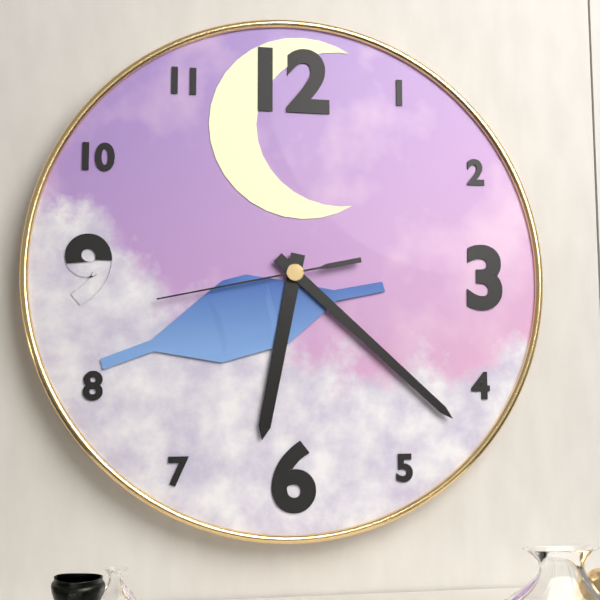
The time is h=6 m=22 s=43
